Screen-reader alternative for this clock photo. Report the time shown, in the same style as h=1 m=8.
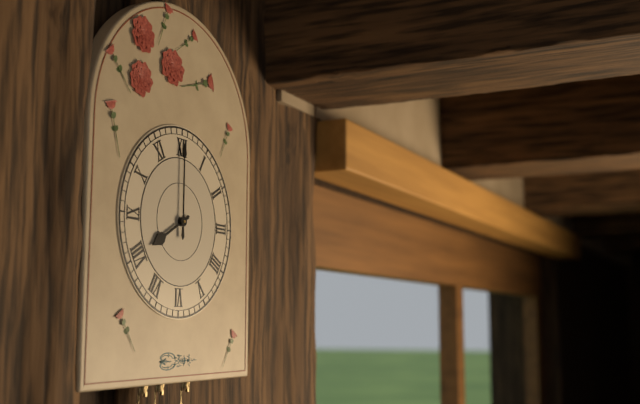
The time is h=8 m=0
